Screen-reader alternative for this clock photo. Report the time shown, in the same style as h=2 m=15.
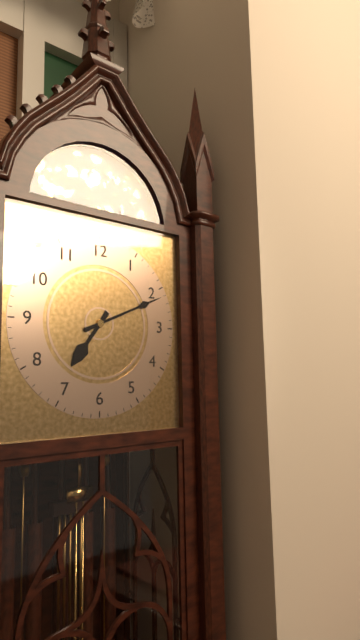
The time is h=7 m=11
